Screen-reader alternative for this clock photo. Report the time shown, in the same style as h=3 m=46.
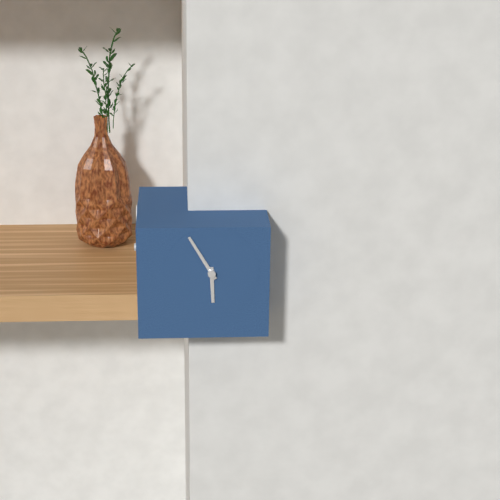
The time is h=5 m=55
